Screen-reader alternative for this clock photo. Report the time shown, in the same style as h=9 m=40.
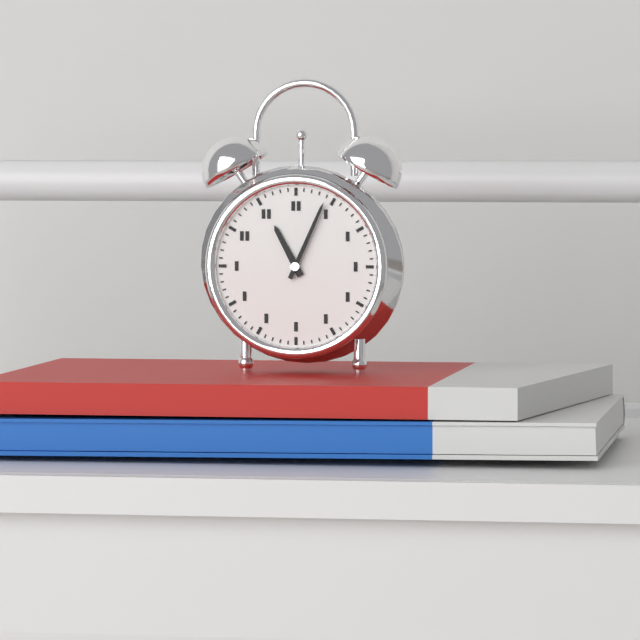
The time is h=11 m=4
